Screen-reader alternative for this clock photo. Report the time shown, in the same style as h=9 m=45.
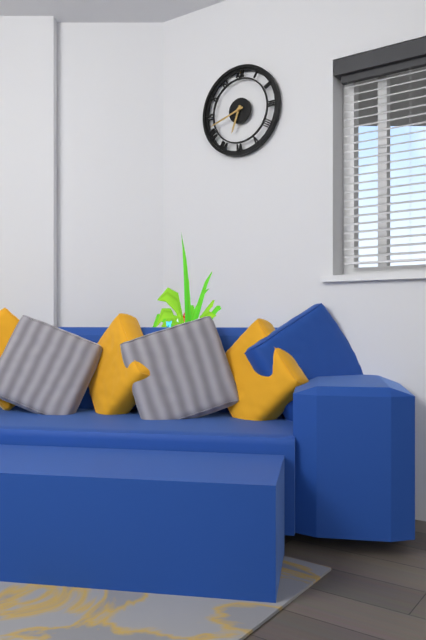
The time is h=6 m=42
